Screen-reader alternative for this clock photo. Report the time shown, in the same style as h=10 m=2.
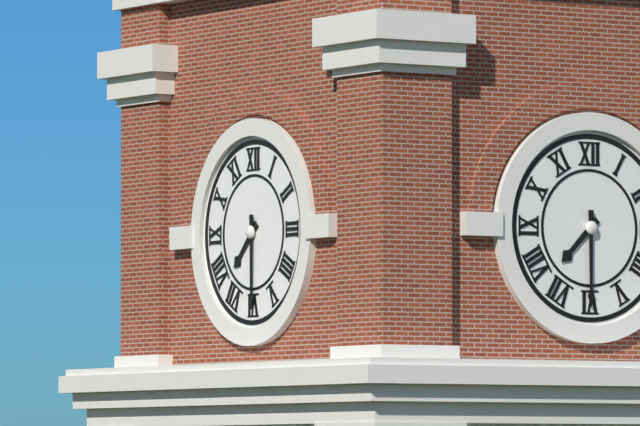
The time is h=7 m=30
